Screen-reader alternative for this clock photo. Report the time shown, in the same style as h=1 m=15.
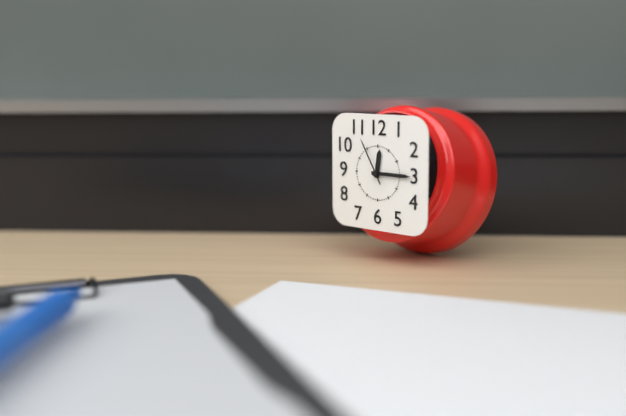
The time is h=12 m=15
